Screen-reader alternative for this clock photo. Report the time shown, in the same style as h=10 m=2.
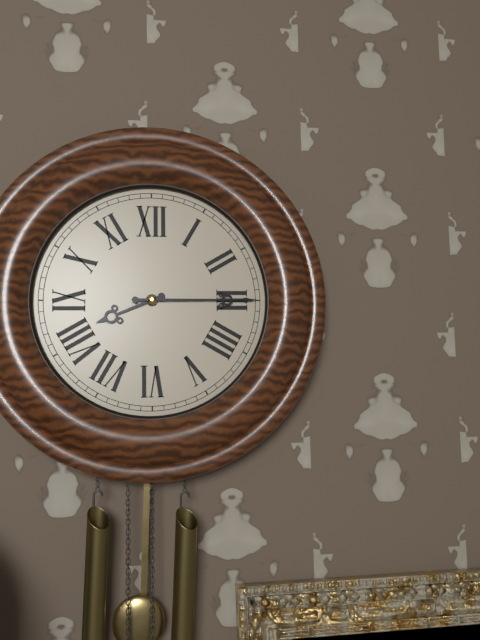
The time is h=8 m=15
